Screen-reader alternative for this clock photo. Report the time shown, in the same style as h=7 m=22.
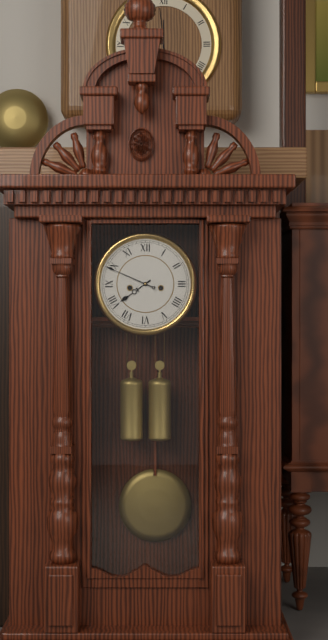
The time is h=7 m=49
